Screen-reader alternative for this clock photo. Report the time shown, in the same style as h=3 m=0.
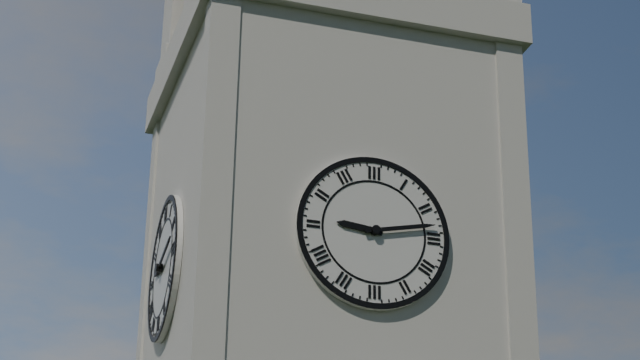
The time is h=9 m=13
